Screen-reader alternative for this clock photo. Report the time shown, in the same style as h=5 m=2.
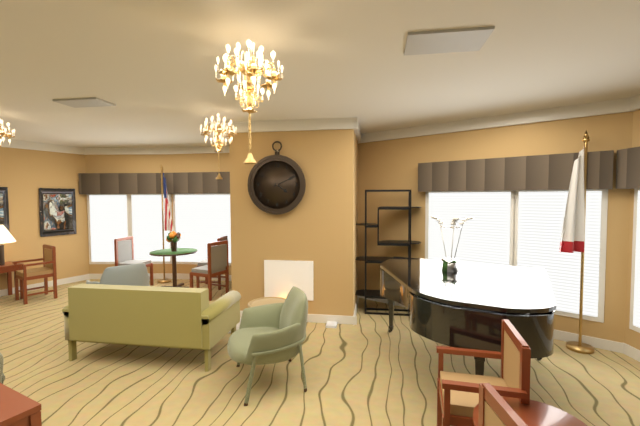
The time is h=4 m=11
